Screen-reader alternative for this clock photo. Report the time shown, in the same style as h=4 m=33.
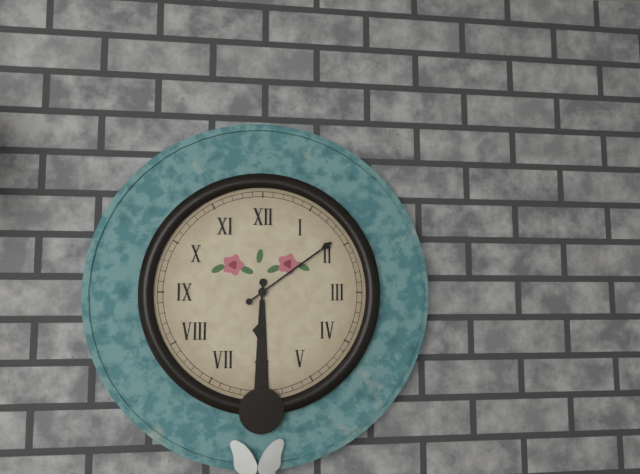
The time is h=6 m=9
